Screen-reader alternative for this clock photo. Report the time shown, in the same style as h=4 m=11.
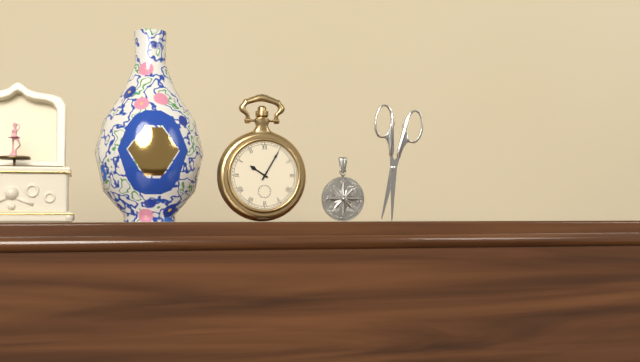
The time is h=10 m=5
